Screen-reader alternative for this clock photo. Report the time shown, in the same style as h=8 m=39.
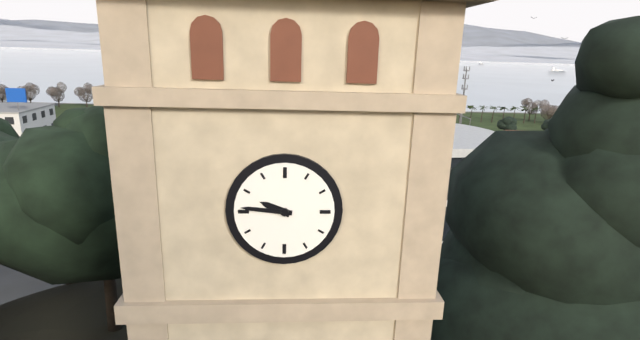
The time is h=9 m=46
